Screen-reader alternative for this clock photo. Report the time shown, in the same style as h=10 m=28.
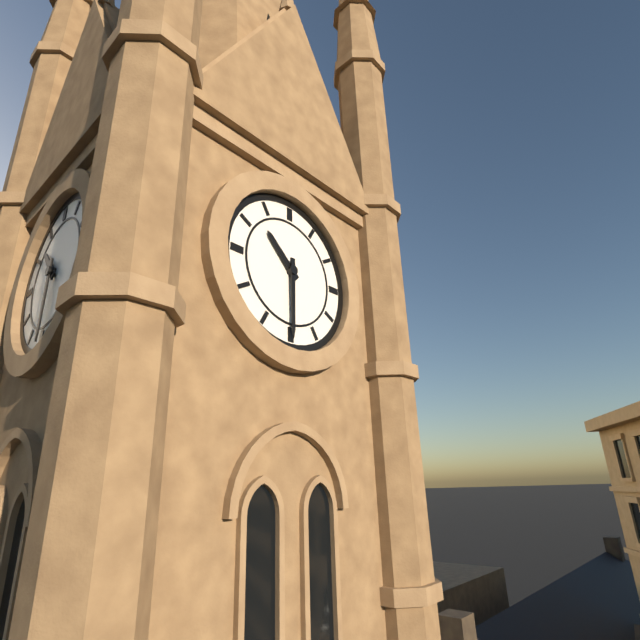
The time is h=10 m=30
